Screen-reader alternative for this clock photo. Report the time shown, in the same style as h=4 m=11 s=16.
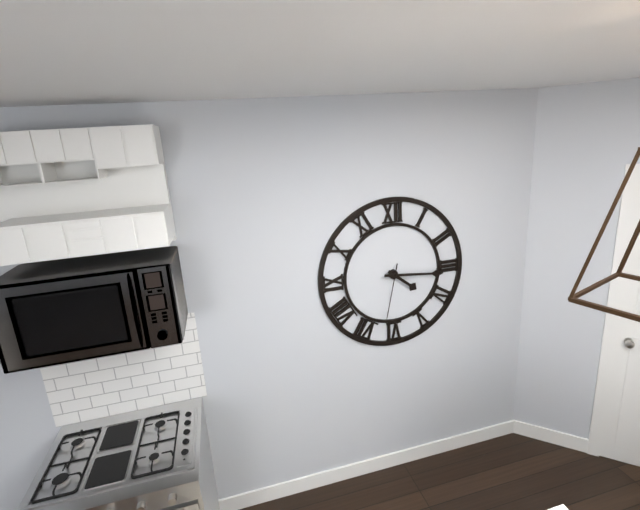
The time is h=4 m=16 s=32
